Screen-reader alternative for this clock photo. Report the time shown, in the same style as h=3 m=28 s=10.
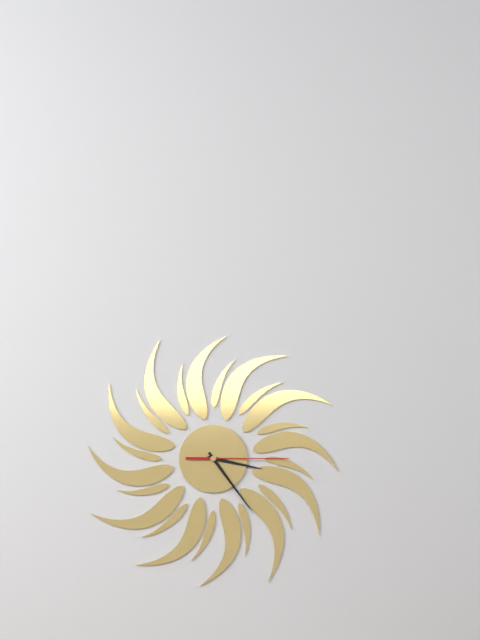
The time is h=3 m=24 s=15
